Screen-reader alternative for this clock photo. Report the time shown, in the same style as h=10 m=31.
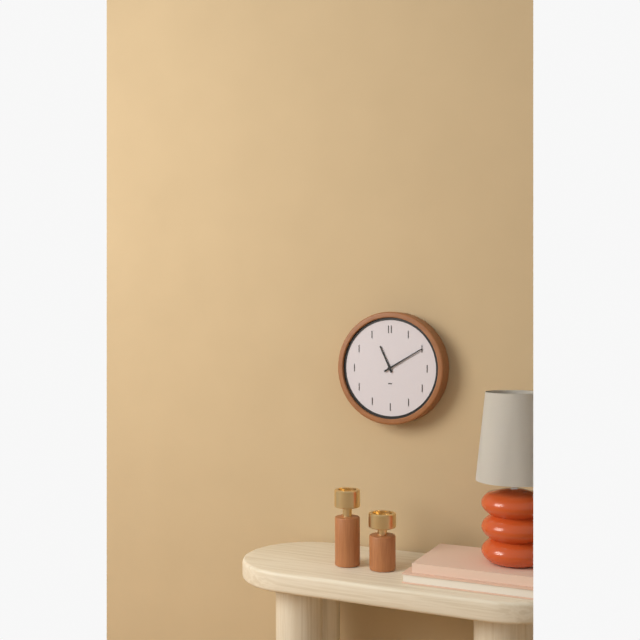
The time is h=11 m=10
